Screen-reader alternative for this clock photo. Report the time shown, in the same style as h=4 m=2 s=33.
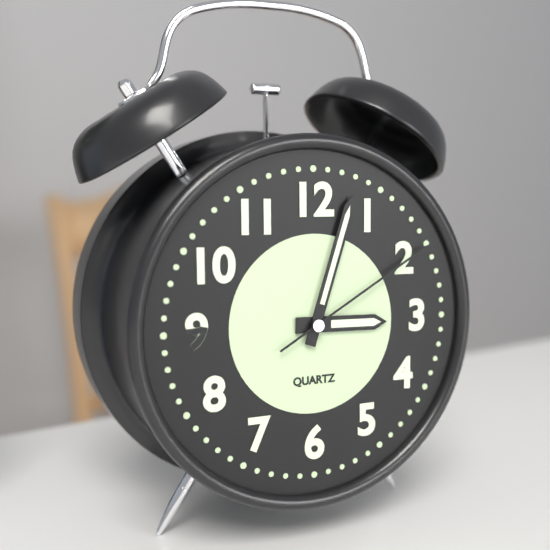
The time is h=3 m=3 s=10
